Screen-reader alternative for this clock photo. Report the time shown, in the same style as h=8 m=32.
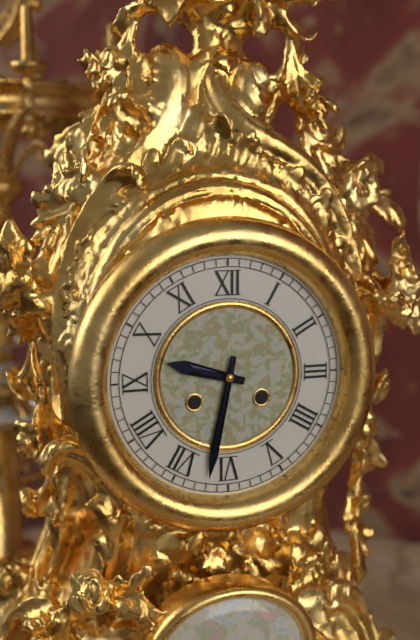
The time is h=9 m=32
